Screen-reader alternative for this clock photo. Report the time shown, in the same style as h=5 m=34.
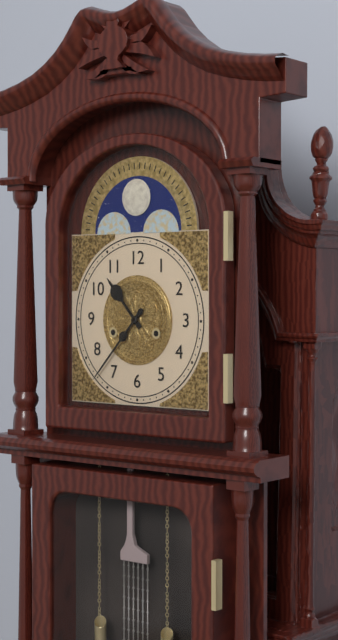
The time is h=10 m=37
